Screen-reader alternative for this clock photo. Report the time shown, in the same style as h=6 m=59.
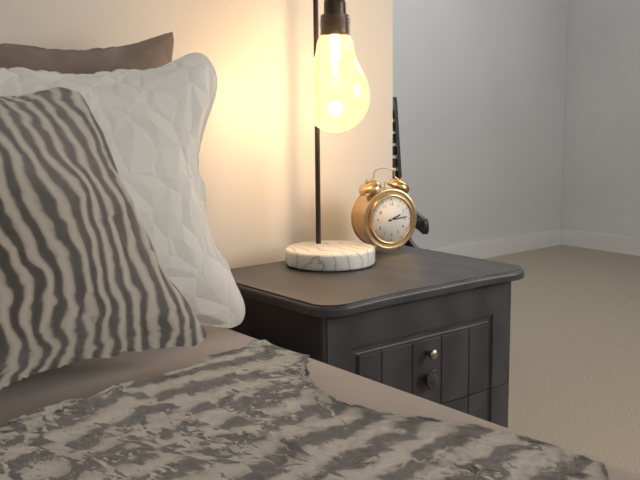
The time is h=2 m=14
